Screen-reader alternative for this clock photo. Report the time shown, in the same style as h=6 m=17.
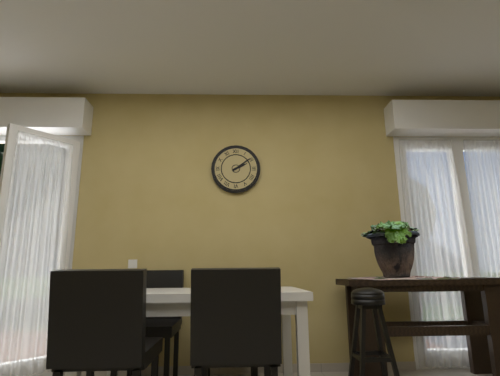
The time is h=2 m=9
